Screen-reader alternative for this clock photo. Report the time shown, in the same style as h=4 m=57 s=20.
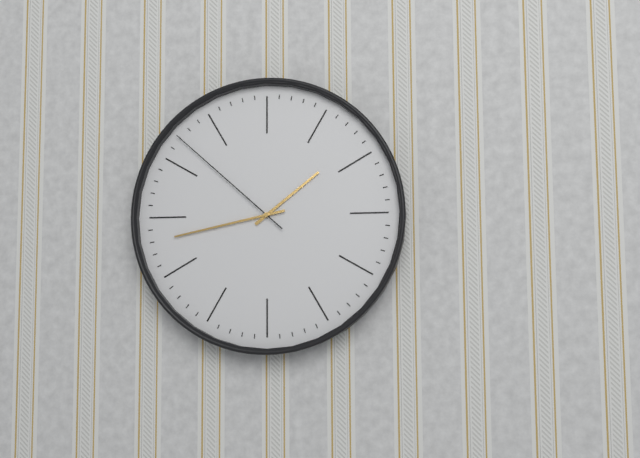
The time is h=1 m=43 s=52
